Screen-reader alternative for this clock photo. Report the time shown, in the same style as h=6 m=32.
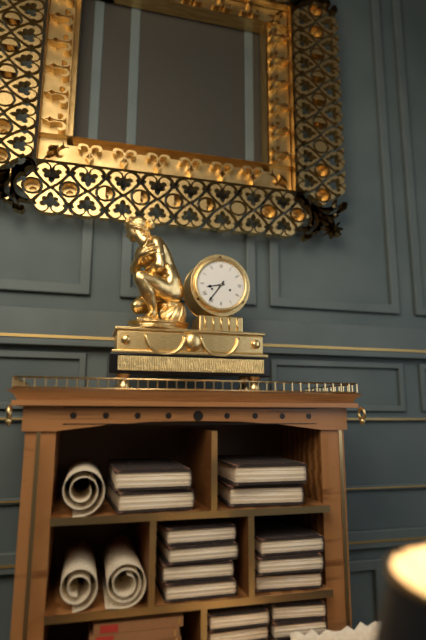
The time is h=8 m=36
